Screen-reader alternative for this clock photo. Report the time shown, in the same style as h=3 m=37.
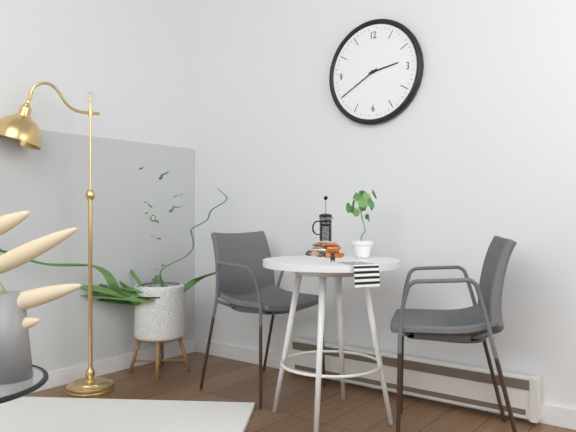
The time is h=2 m=40
